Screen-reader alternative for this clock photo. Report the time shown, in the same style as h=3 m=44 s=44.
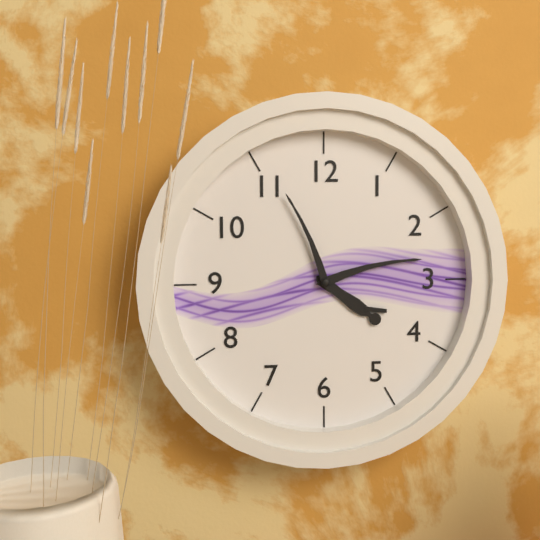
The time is h=4 m=13 s=56
